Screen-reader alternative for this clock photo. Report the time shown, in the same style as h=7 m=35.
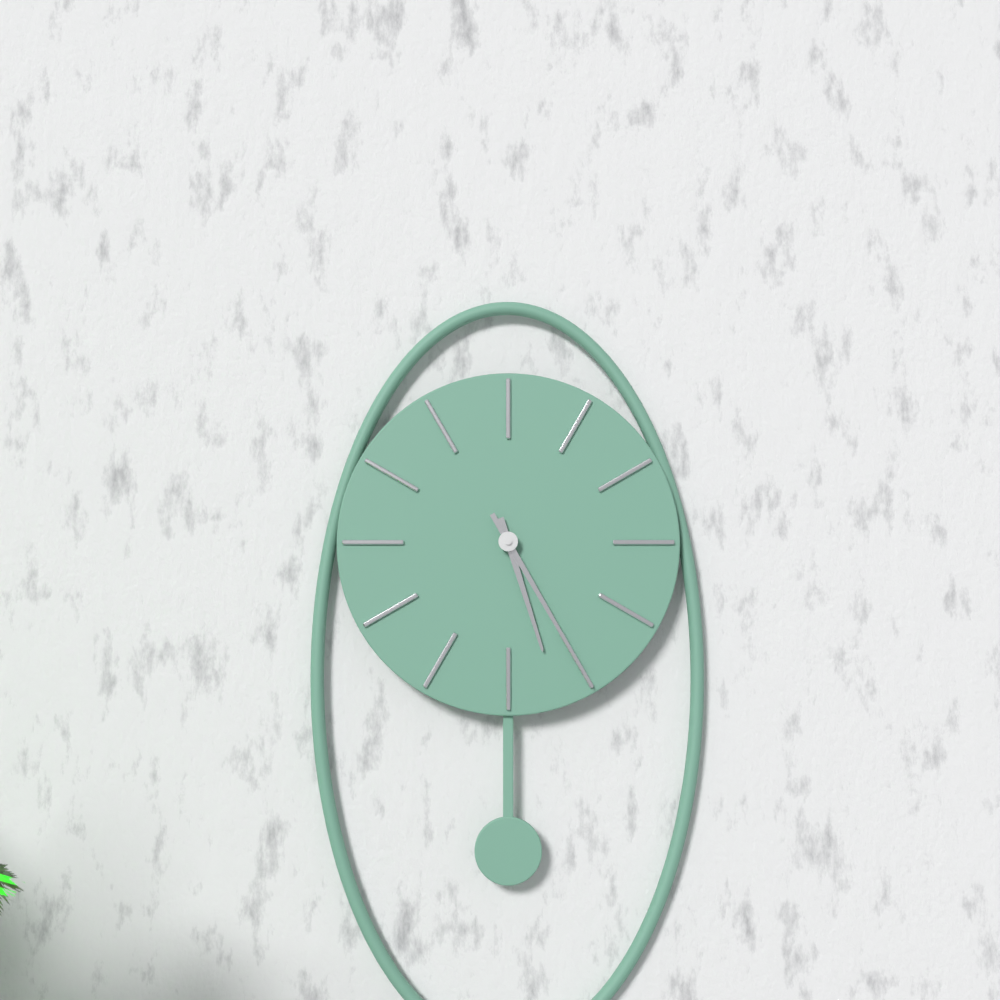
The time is h=5 m=25
